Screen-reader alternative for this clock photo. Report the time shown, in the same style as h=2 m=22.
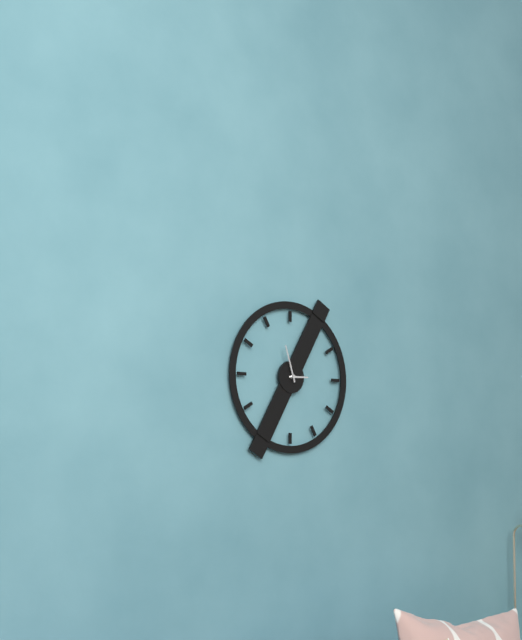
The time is h=2 m=57
